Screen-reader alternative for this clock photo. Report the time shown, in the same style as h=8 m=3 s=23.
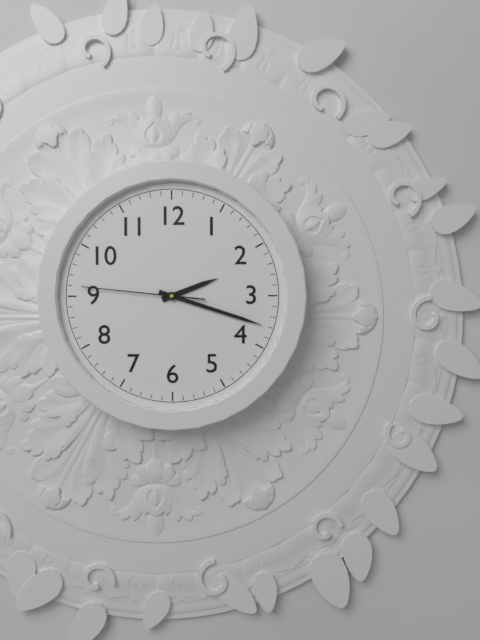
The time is h=2 m=18 s=46
